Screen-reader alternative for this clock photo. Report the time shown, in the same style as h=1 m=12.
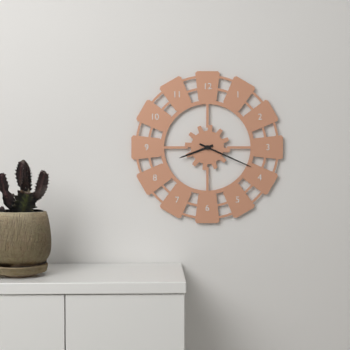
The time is h=8 m=19
